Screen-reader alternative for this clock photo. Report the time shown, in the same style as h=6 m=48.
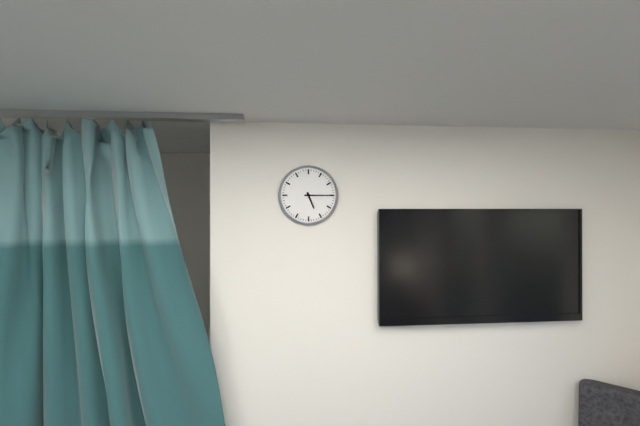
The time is h=5 m=15
